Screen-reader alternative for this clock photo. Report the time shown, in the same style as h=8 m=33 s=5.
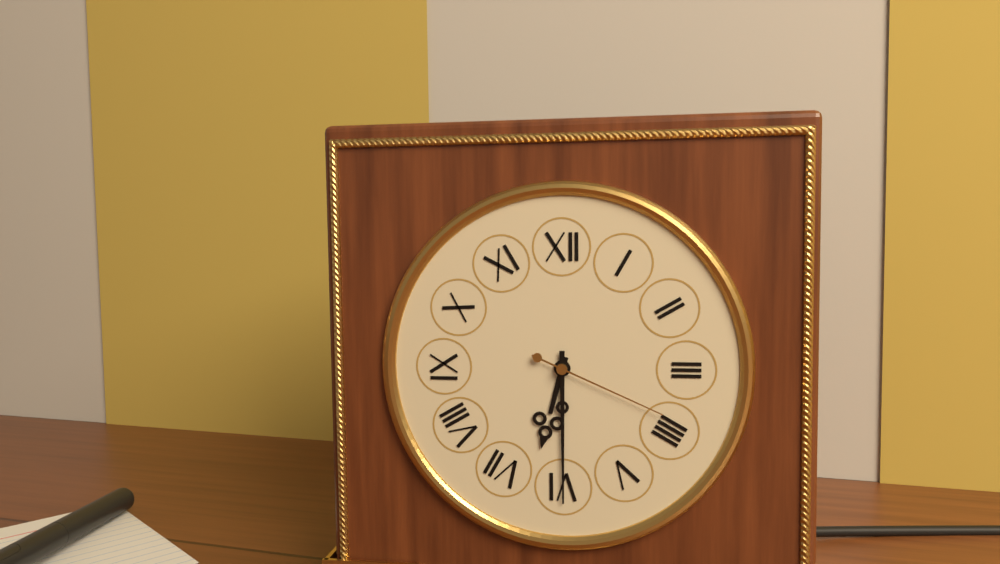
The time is h=6 m=30 s=19
